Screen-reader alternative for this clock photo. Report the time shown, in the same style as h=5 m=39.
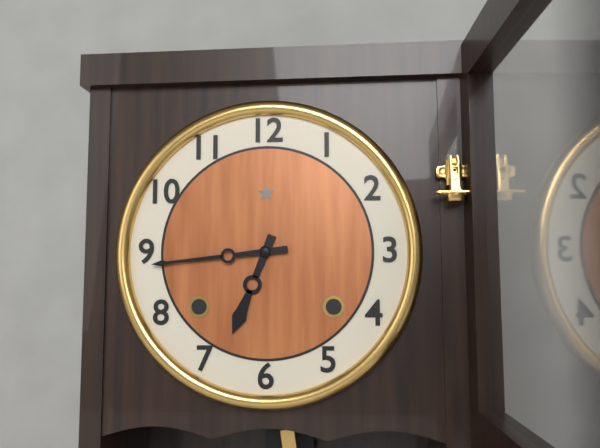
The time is h=6 m=44
